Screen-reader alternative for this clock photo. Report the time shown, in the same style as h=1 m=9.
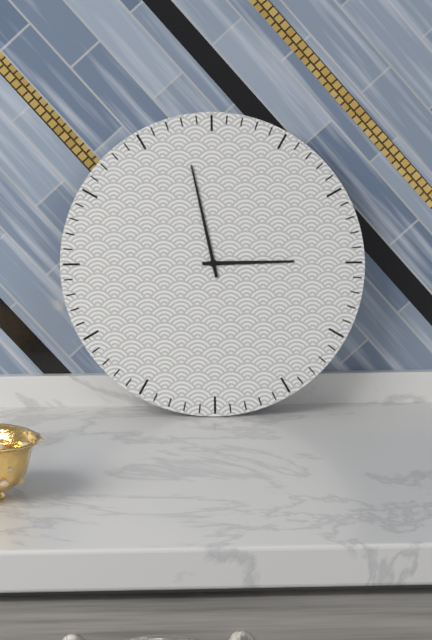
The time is h=2 m=58
